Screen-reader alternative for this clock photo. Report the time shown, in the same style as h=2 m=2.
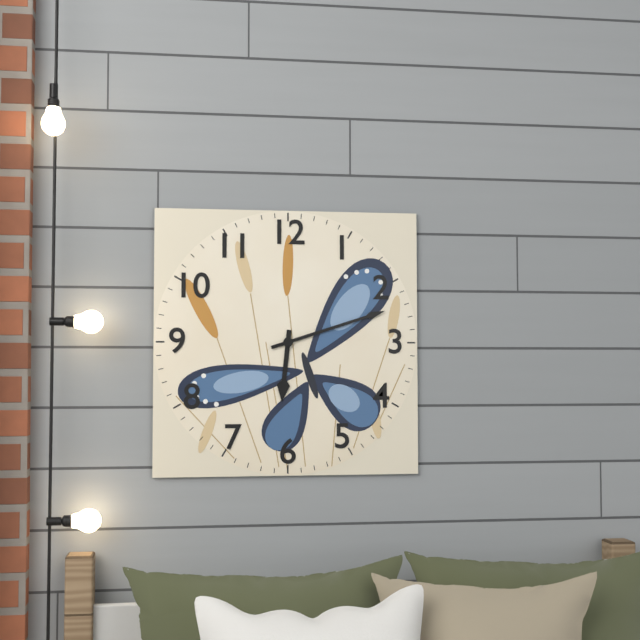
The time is h=6 m=12
